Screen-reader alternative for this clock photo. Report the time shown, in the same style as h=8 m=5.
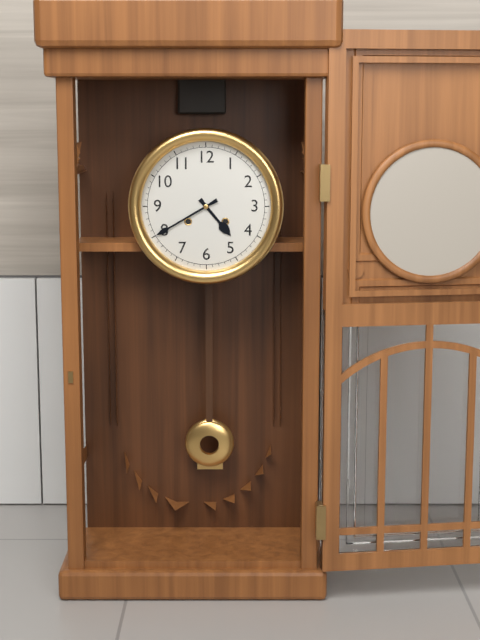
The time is h=4 m=40
